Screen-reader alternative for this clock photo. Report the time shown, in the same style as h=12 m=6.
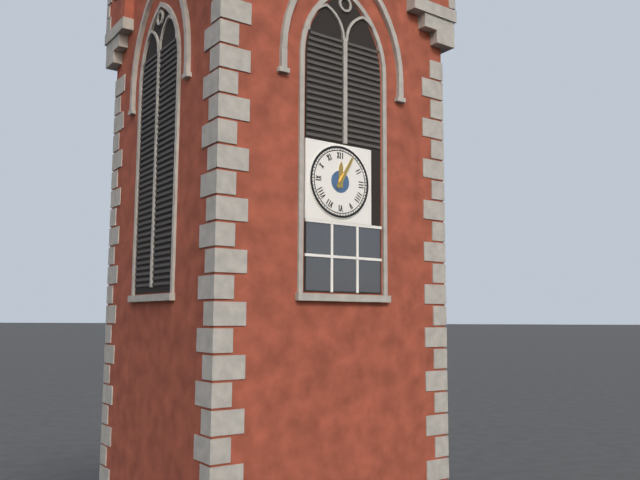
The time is h=12 m=5
